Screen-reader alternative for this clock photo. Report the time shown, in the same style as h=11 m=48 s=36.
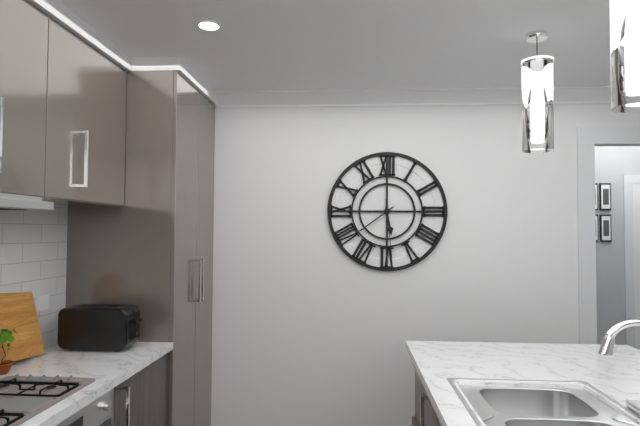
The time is h=5 m=39 s=29
